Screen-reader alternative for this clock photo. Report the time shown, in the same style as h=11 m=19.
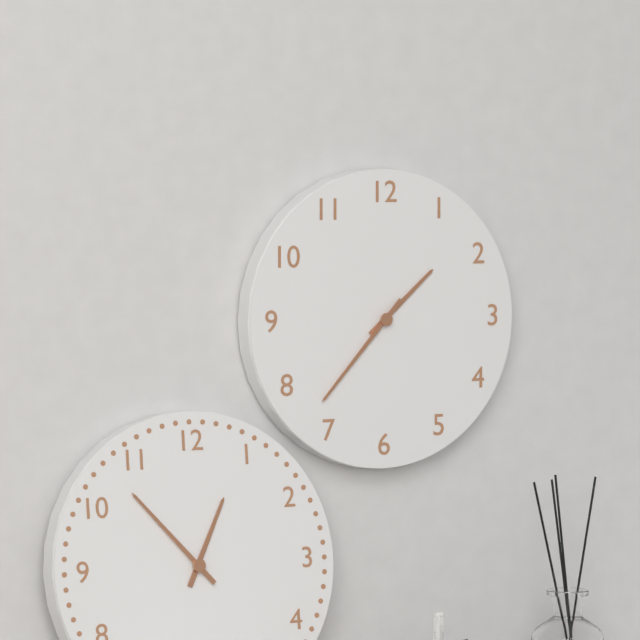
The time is h=1 m=37
